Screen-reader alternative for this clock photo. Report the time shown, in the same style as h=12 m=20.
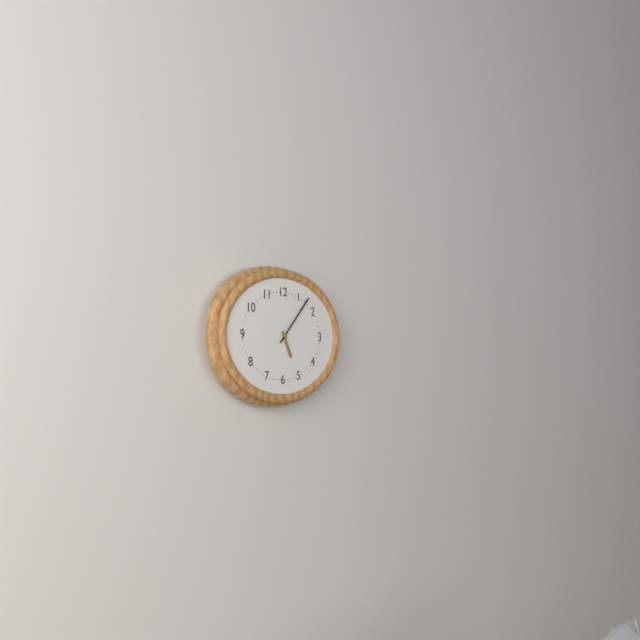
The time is h=5 m=7
